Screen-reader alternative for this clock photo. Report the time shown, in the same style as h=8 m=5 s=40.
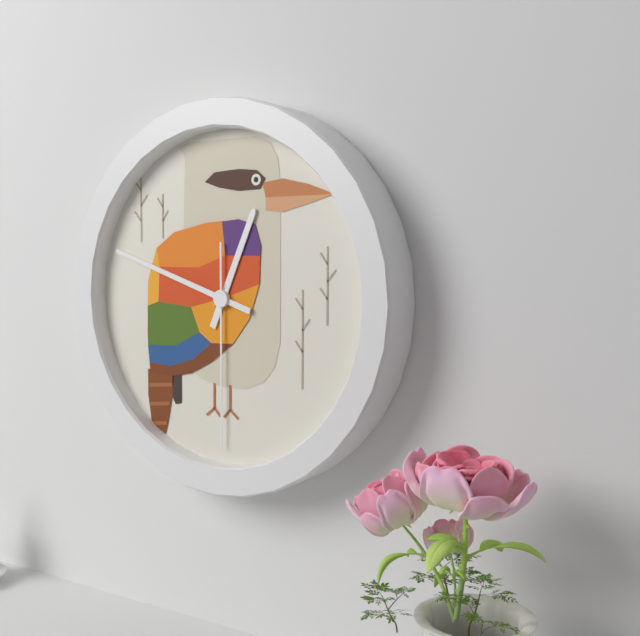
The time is h=12 m=48 s=30
